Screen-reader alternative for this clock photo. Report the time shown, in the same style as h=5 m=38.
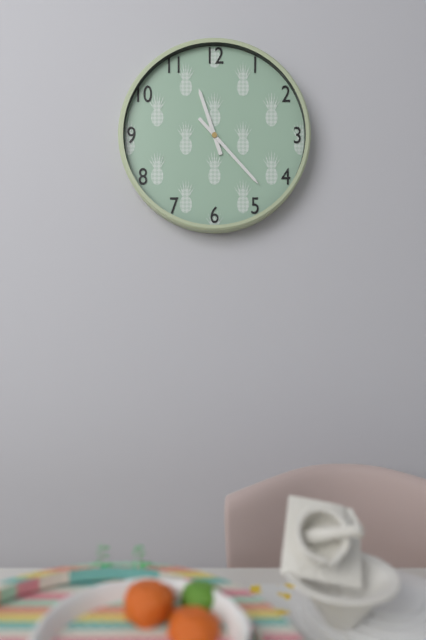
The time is h=11 m=23
